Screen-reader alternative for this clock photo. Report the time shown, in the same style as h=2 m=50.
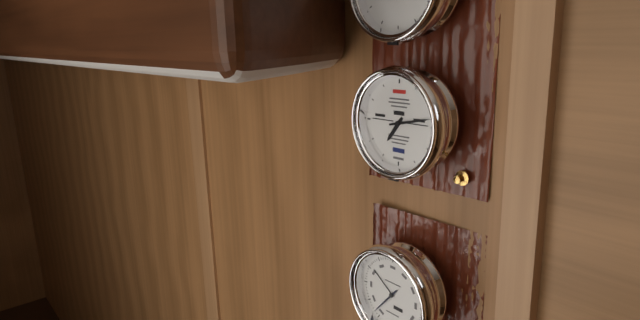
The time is h=7 m=13
